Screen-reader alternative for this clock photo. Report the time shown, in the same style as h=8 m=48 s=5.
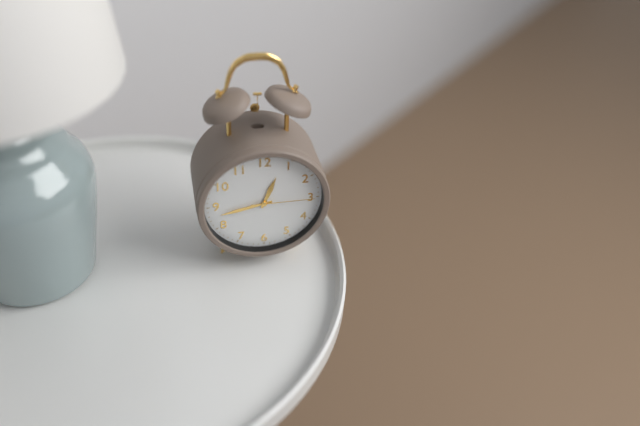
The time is h=12 m=43 s=15
